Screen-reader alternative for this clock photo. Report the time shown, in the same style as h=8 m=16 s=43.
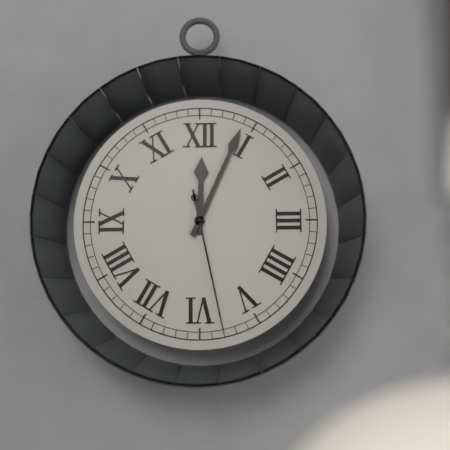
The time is h=12 m=4 s=28
